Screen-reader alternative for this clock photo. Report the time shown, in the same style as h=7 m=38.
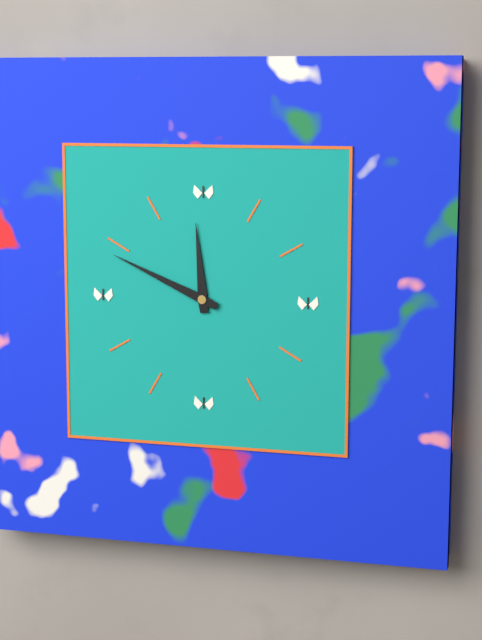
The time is h=11 m=49
